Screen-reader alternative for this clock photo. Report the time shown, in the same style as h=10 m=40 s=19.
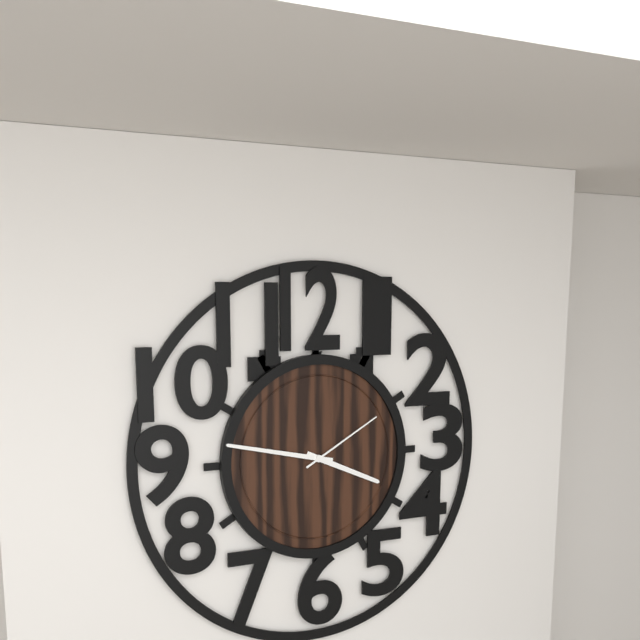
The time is h=3 m=47 s=10
